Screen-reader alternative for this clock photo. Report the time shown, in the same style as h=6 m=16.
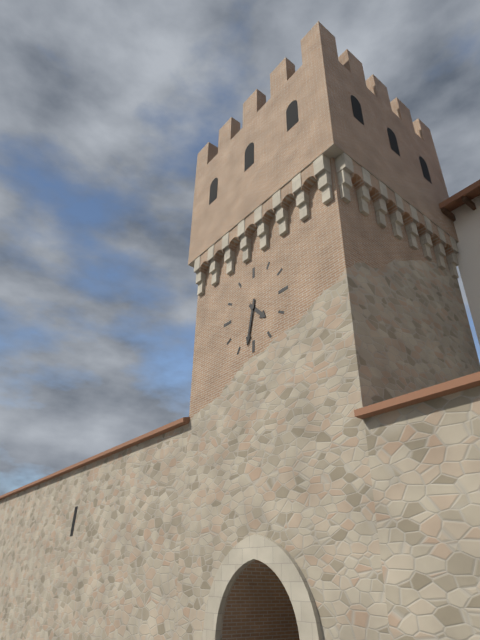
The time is h=4 m=32
